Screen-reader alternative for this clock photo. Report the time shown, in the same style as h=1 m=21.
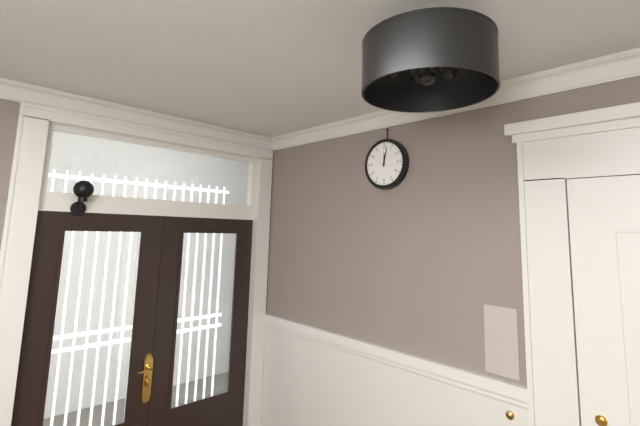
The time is h=12 m=2
